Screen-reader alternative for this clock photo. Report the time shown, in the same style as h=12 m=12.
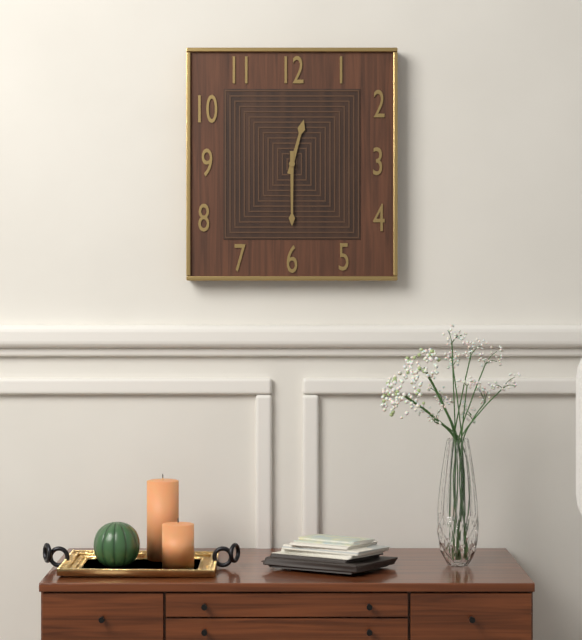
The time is h=12 m=30
